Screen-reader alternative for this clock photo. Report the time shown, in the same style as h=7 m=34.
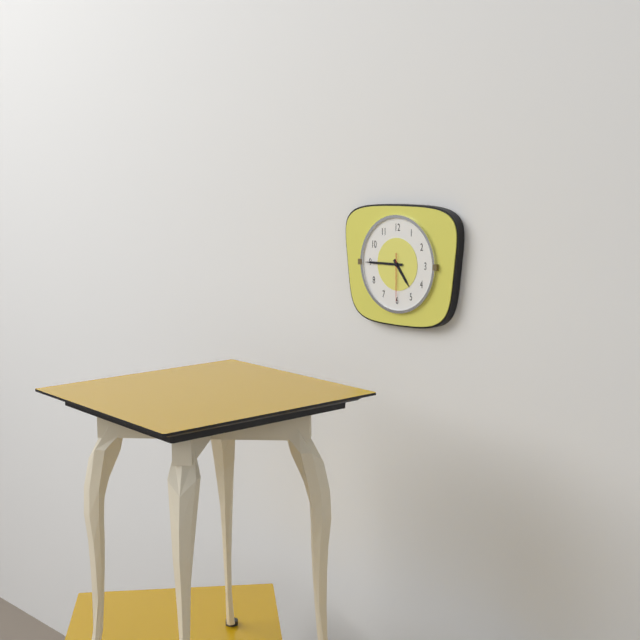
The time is h=4 m=45
